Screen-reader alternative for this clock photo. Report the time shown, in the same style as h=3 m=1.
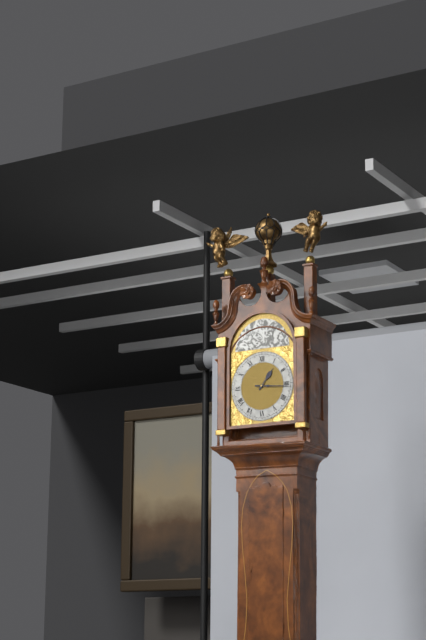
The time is h=1 m=16
